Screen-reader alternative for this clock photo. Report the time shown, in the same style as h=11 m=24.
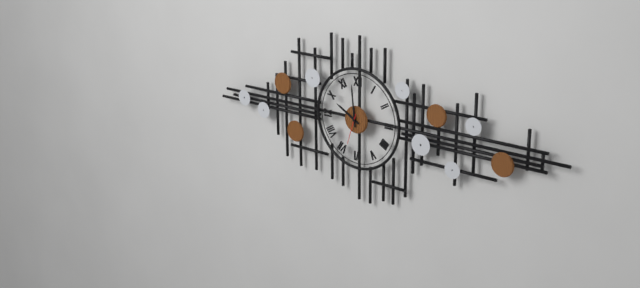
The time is h=9 m=59
